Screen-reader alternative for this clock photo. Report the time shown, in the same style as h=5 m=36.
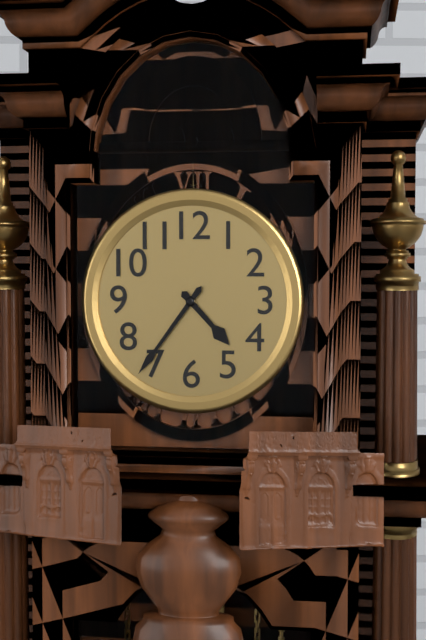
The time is h=4 m=36
